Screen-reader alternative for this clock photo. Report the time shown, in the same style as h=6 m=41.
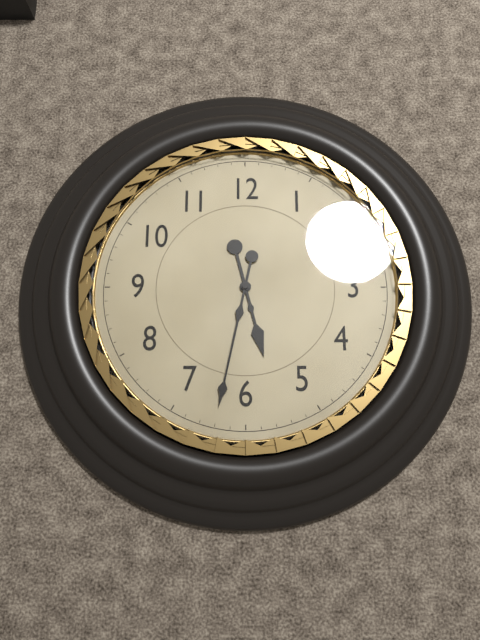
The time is h=5 m=32
